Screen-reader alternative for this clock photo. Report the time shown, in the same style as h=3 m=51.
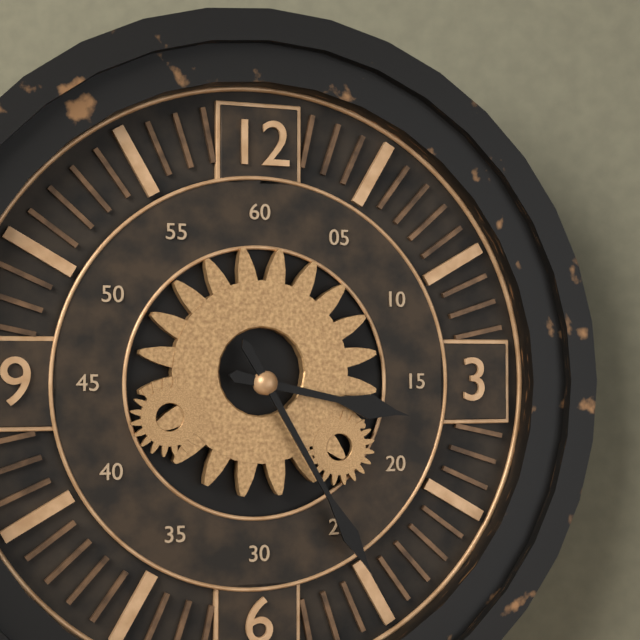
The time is h=3 m=25
